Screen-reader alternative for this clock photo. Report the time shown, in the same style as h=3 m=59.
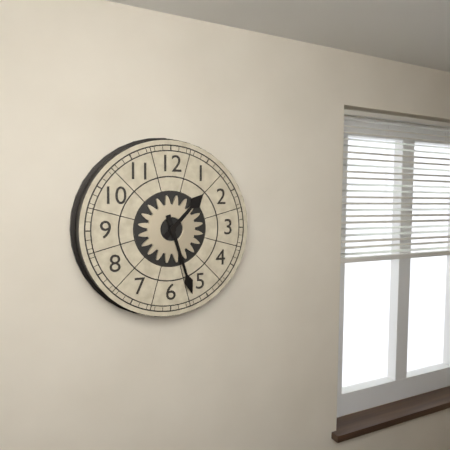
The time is h=1 m=27
